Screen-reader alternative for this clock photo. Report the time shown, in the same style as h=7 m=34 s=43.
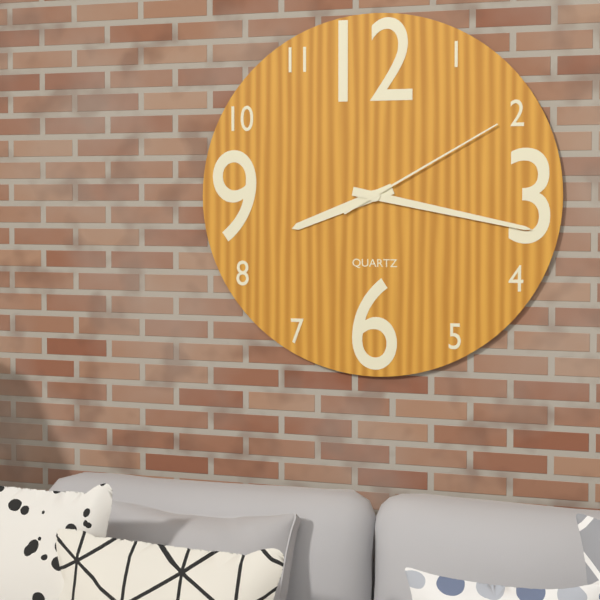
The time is h=8 m=17 s=10
